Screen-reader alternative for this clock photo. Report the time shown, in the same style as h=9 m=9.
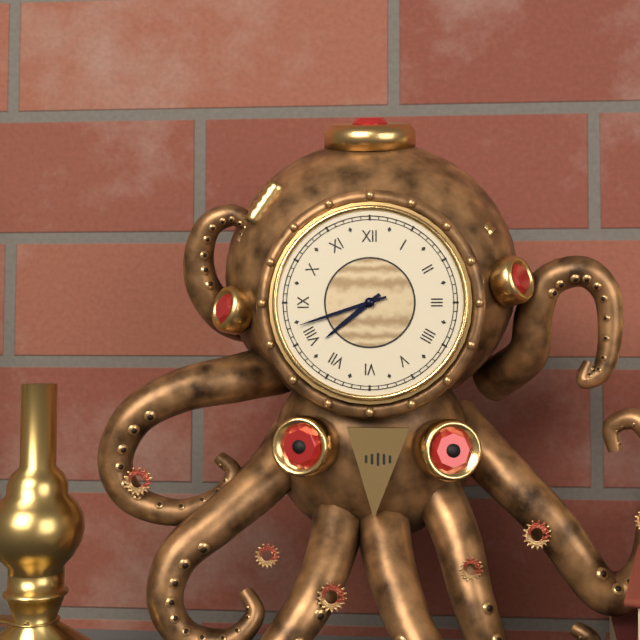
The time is h=7 m=42
